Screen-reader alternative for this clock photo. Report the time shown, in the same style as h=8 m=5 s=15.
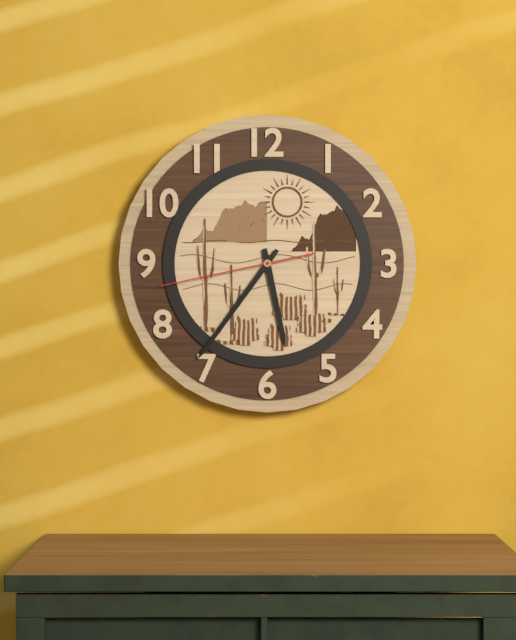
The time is h=5 m=36 s=43
